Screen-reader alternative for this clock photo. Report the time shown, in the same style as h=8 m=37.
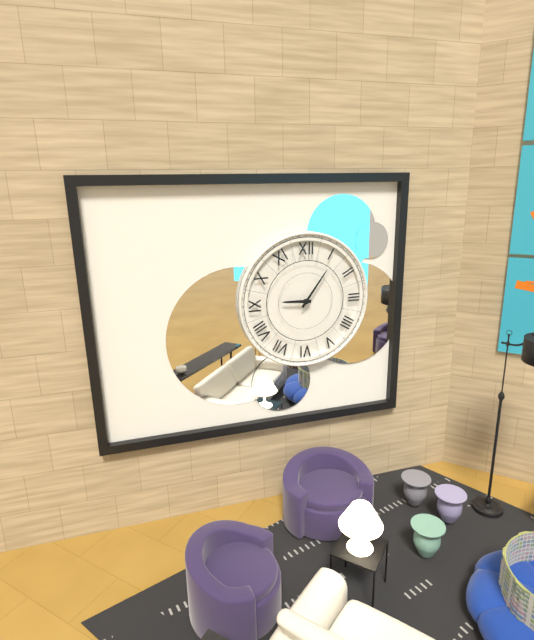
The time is h=9 m=6
